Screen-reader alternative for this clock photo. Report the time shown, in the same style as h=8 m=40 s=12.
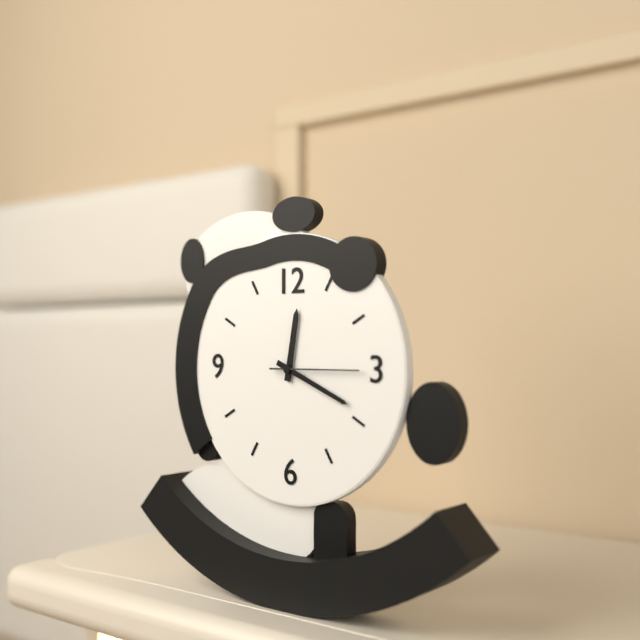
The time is h=12 m=19 s=15
